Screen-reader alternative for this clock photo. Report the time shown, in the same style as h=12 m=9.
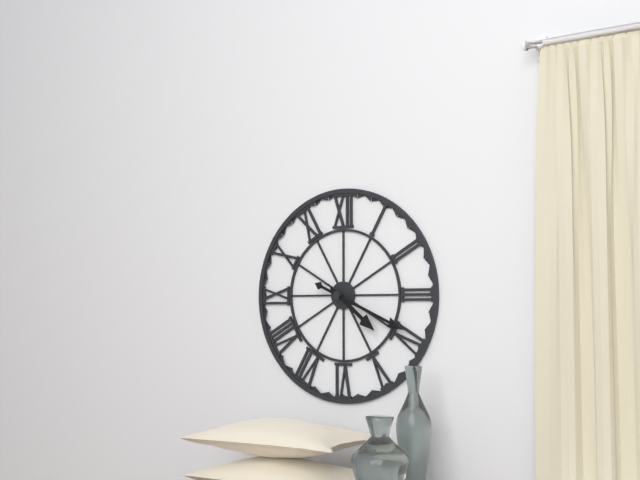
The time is h=4 m=19
